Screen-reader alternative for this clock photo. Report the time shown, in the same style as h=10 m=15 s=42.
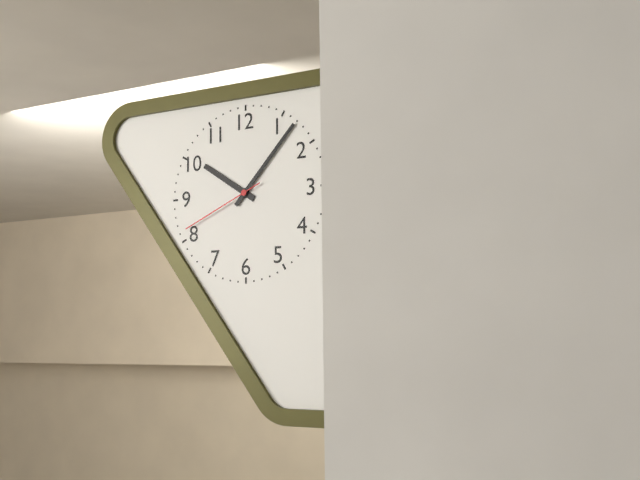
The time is h=10 m=7 s=41
